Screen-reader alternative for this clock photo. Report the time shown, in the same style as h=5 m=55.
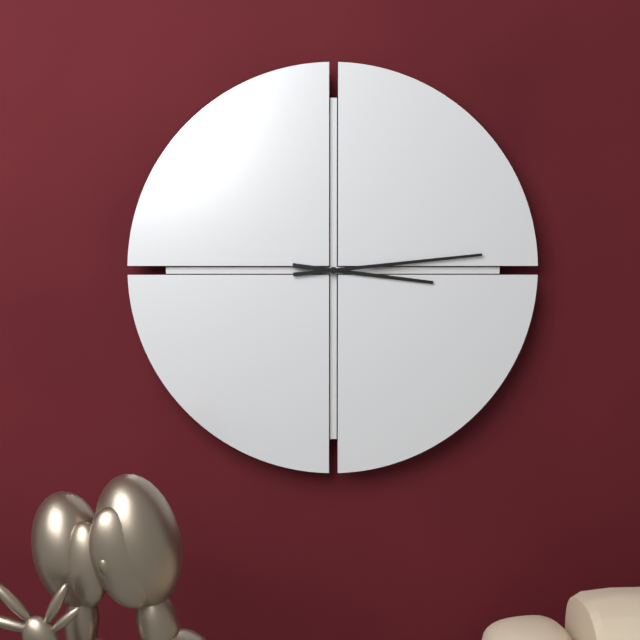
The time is h=3 m=14
